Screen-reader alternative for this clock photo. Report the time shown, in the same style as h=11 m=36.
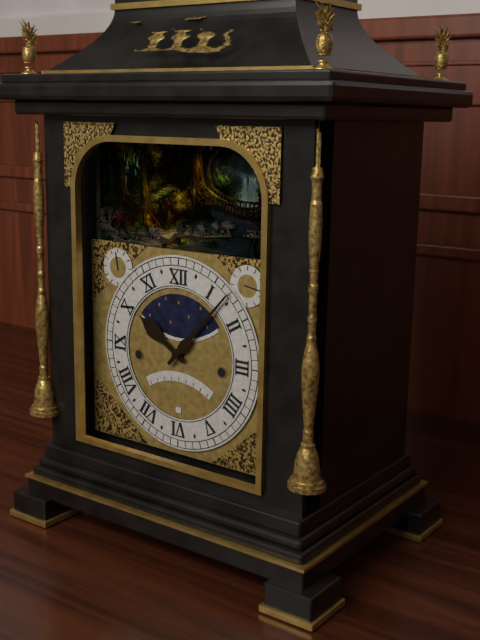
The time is h=10 m=7
